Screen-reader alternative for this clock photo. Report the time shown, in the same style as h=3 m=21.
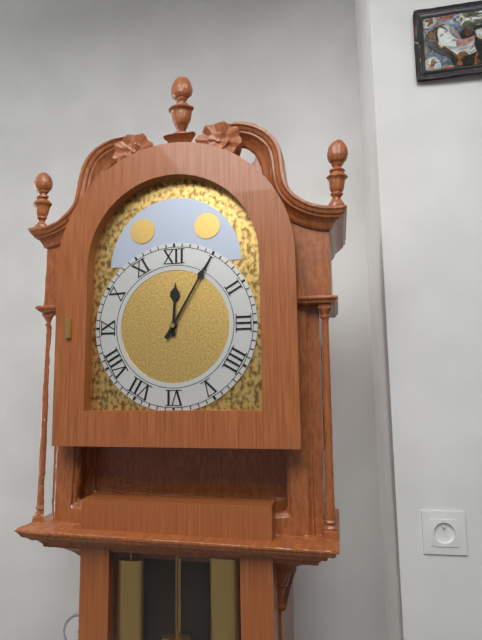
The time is h=12 m=5
